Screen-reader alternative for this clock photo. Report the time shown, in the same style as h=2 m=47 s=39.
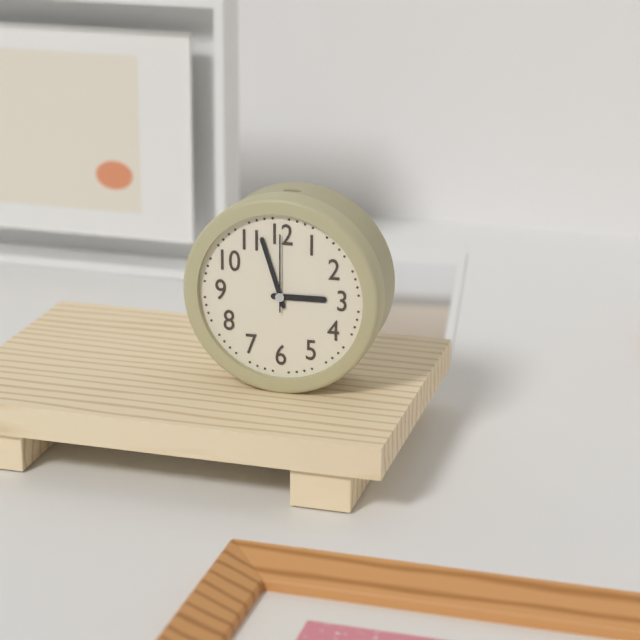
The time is h=2 m=57 s=0
